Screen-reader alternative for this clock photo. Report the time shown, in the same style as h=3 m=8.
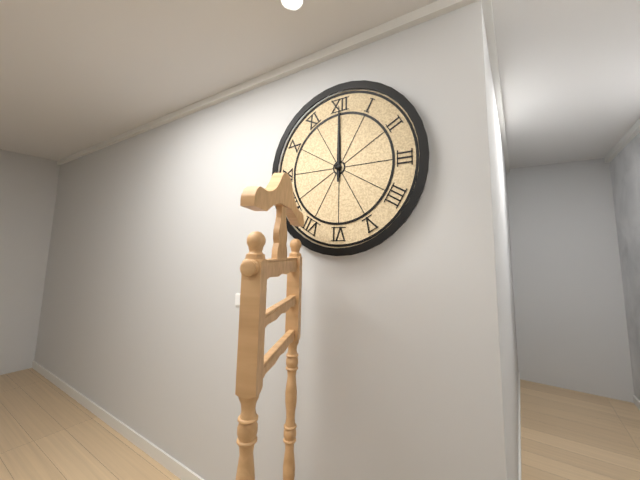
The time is h=12 m=0
